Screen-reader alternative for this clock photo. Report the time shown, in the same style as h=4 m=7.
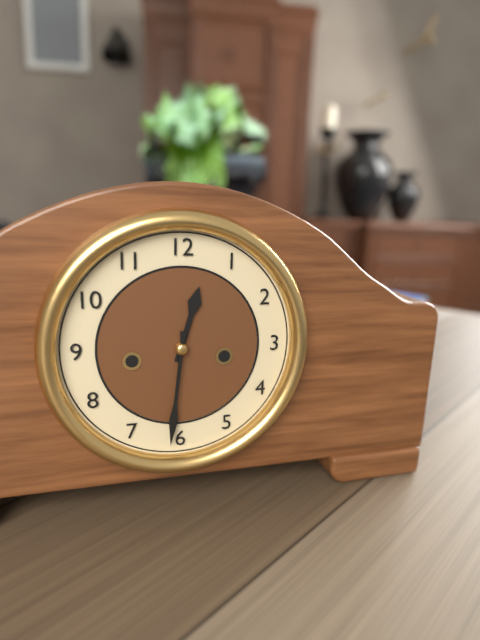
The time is h=12 m=31
